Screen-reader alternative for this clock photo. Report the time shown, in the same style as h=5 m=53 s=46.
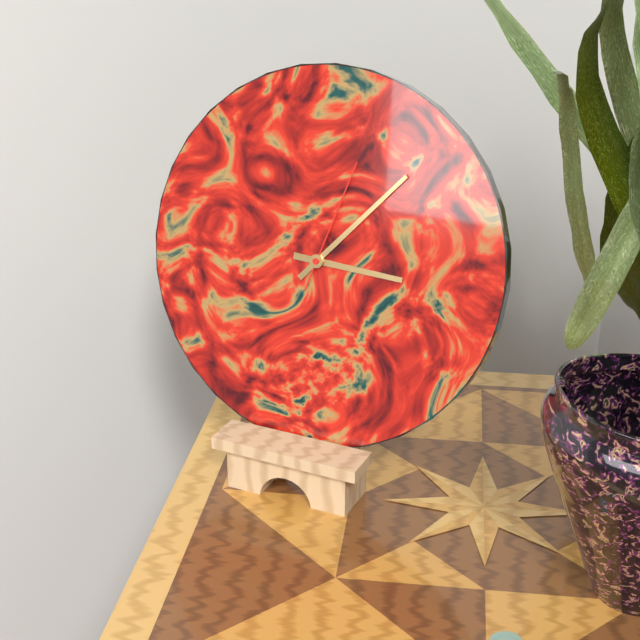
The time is h=3 m=7 s=3
